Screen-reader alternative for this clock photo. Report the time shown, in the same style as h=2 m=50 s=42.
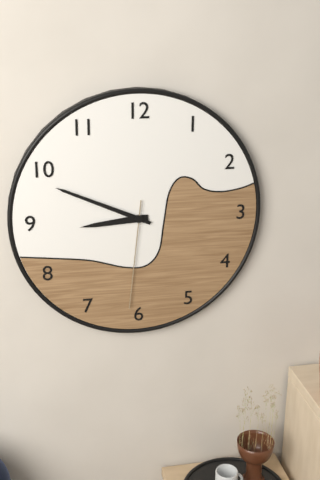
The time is h=8 m=49 s=31
